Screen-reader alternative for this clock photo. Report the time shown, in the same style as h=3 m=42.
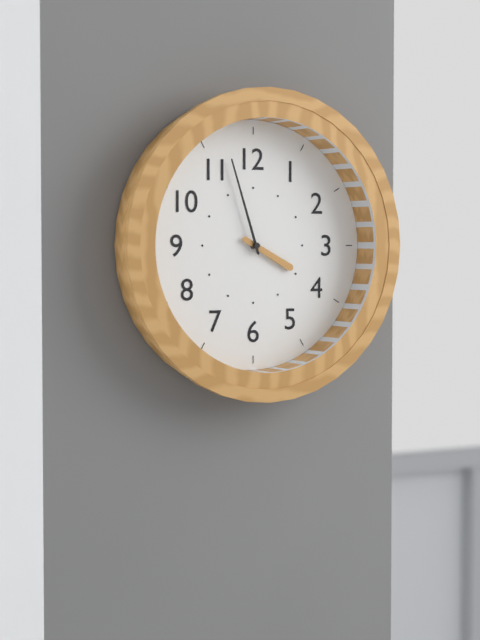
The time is h=3 m=57
